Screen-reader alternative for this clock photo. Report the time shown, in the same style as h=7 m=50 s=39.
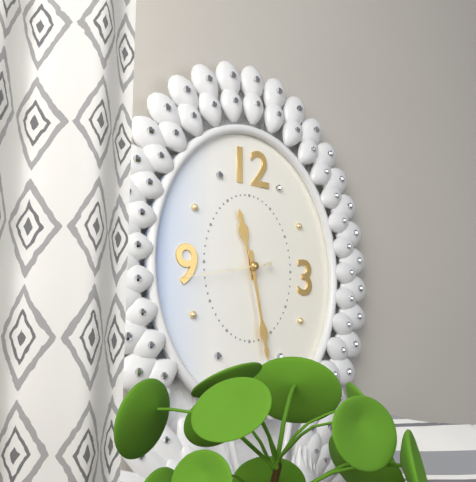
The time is h=11 m=28 s=43
